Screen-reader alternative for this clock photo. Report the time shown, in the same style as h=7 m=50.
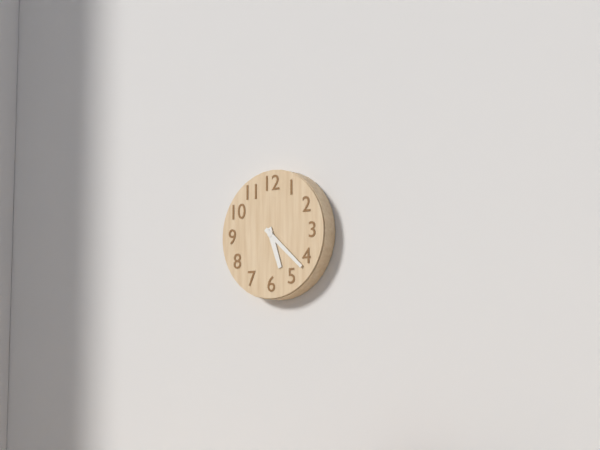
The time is h=5 m=22
